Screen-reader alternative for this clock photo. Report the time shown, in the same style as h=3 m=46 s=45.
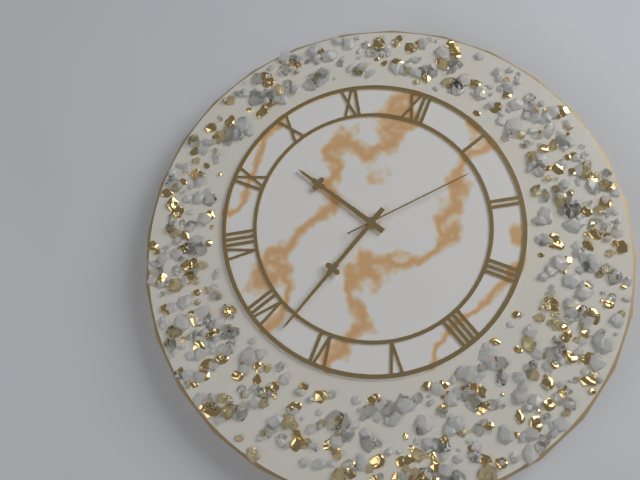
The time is h=9 m=33 s=7
